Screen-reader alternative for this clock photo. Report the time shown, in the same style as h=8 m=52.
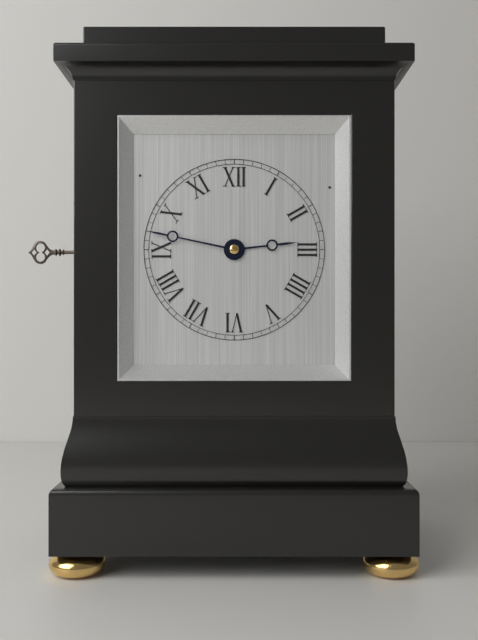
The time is h=2 m=47
